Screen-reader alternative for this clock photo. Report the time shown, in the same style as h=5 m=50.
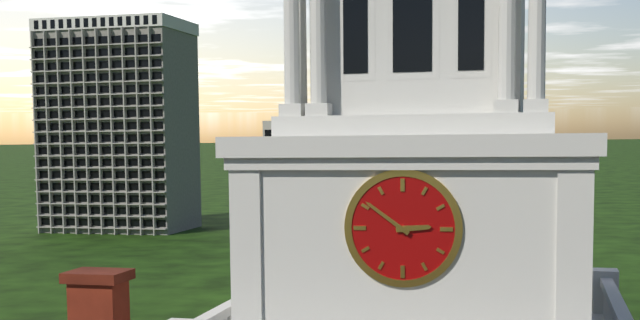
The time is h=2 m=51
